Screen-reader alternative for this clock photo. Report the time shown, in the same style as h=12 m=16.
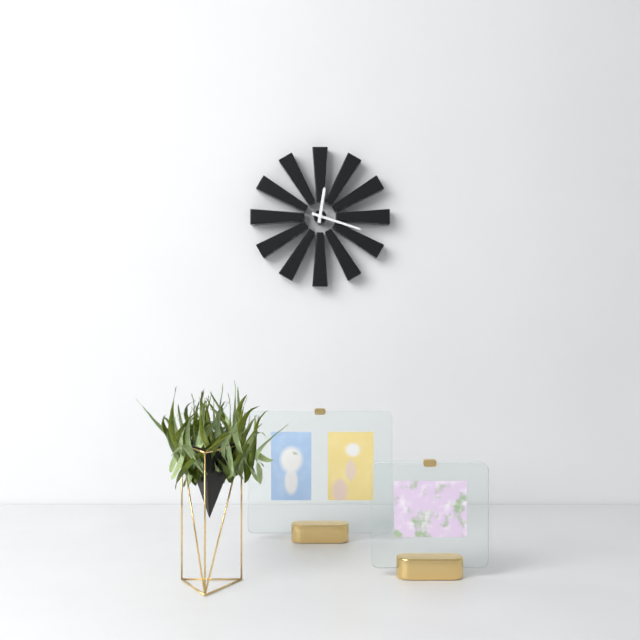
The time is h=12 m=18
